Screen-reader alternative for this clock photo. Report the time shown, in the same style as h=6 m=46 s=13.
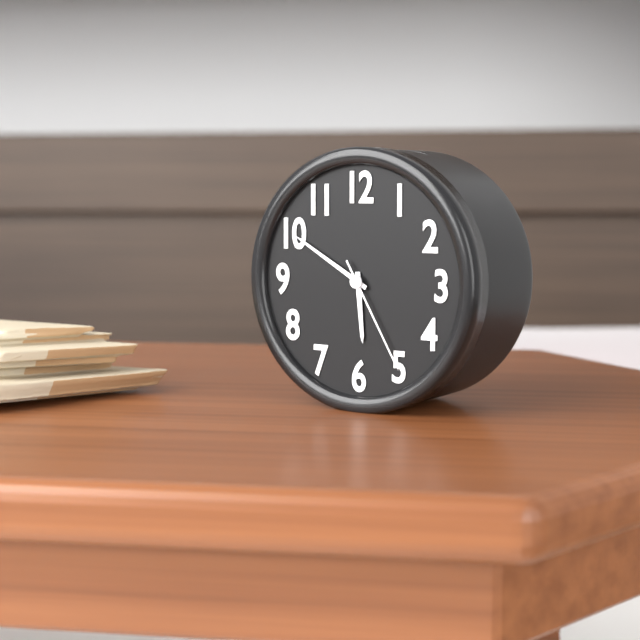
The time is h=5 m=50 s=25
